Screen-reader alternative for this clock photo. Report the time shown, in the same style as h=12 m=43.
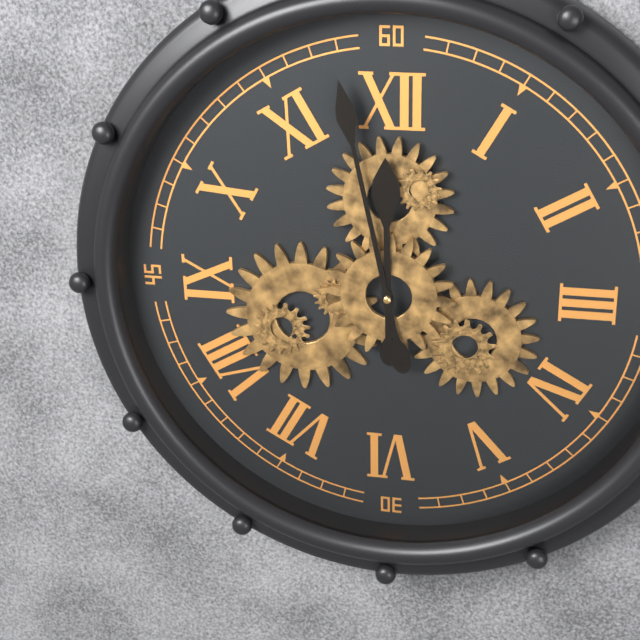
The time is h=11 m=58
